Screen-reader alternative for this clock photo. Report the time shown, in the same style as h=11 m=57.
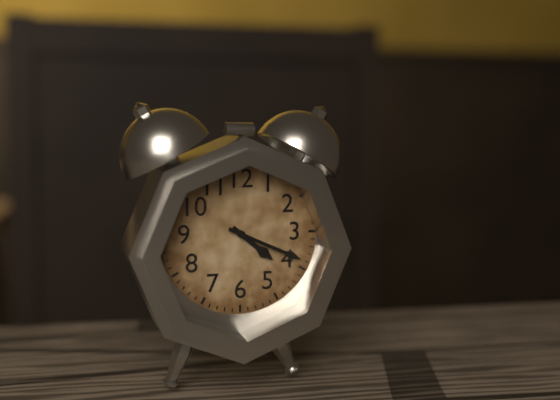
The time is h=4 m=19
